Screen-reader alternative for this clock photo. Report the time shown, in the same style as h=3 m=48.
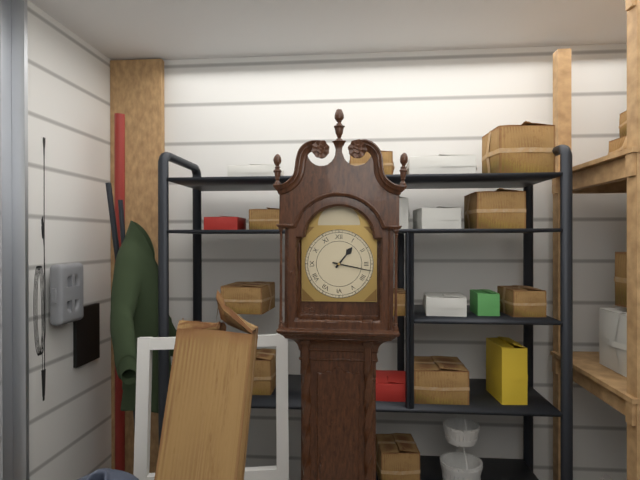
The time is h=1 m=17
